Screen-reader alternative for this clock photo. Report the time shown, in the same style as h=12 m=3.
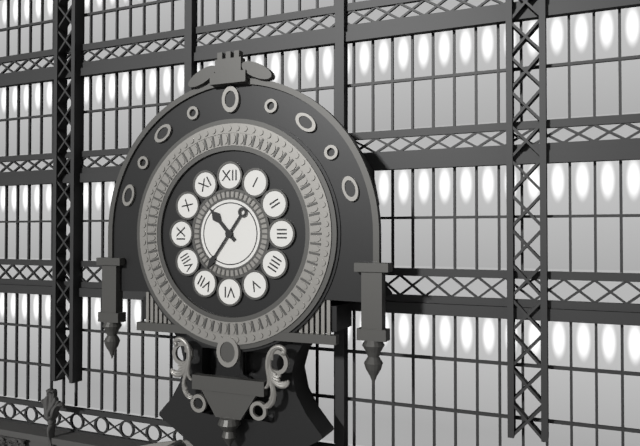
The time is h=10 m=36
